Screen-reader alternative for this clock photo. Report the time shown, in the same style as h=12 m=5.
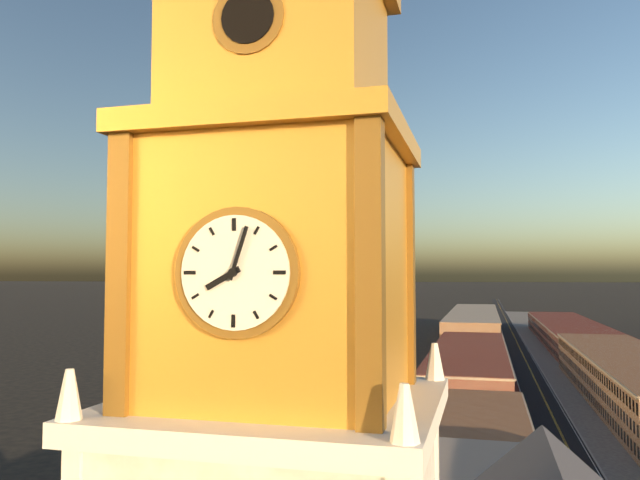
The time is h=8 m=3
